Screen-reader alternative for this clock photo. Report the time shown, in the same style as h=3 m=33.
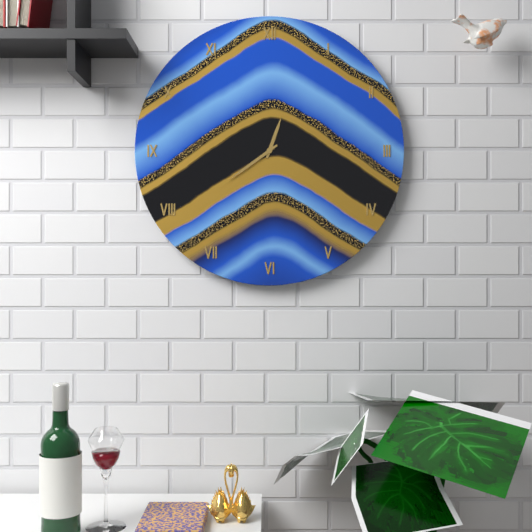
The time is h=12 m=39
